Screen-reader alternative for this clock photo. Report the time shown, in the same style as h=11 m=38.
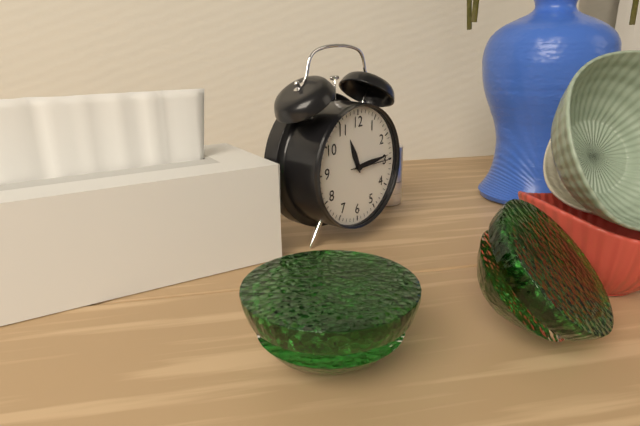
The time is h=11 m=14
